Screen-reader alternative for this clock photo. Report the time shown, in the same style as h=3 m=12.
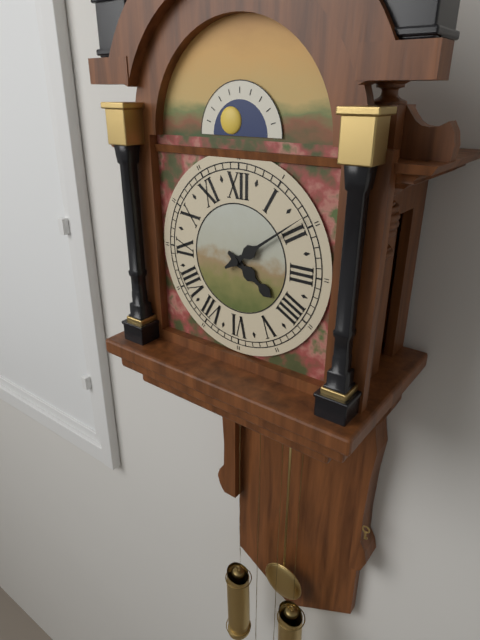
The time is h=4 m=9
